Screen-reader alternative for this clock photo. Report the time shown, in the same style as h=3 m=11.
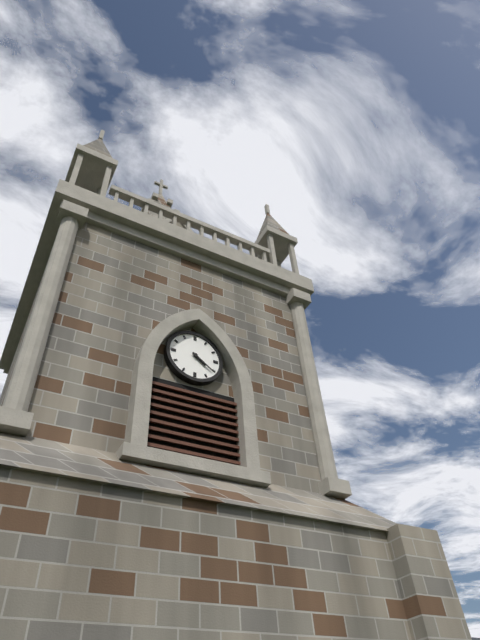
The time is h=4 m=21
